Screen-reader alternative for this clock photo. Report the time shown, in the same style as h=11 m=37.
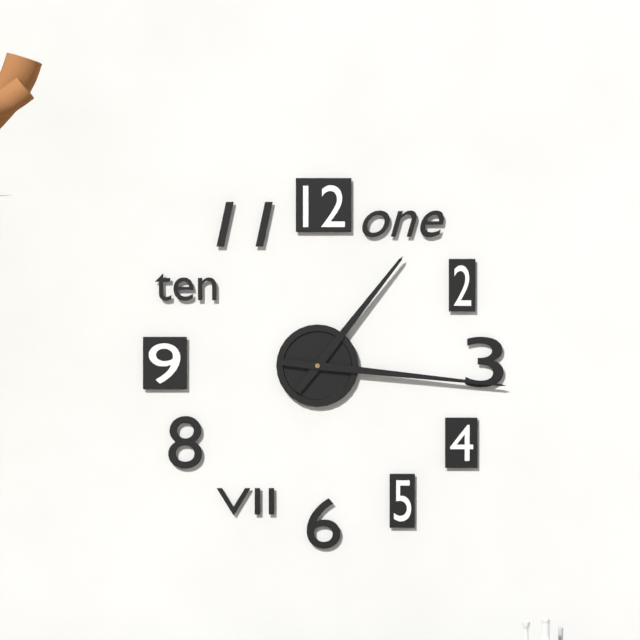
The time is h=1 m=16
